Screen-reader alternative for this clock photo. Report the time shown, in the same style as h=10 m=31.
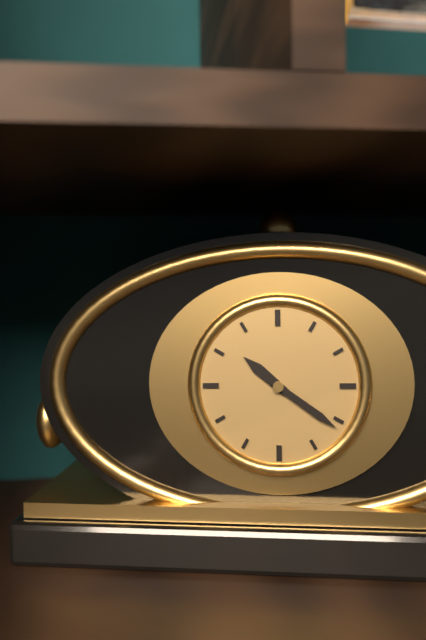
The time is h=10 m=21
